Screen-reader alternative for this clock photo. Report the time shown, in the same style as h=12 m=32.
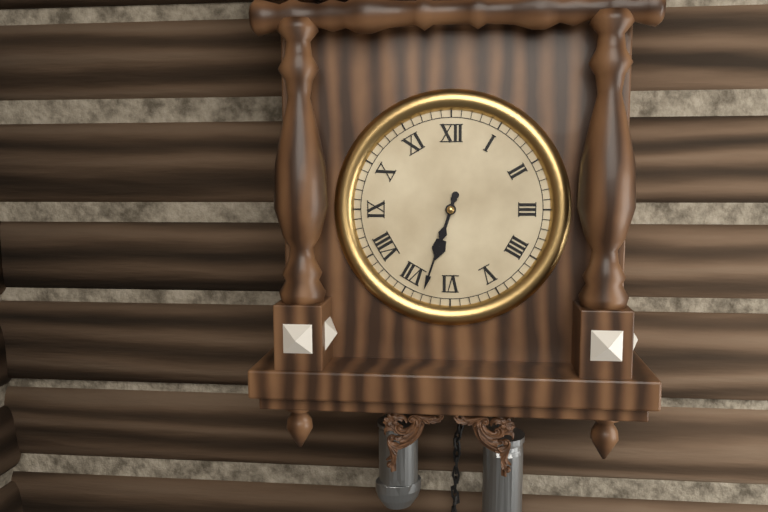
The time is h=6 m=33
